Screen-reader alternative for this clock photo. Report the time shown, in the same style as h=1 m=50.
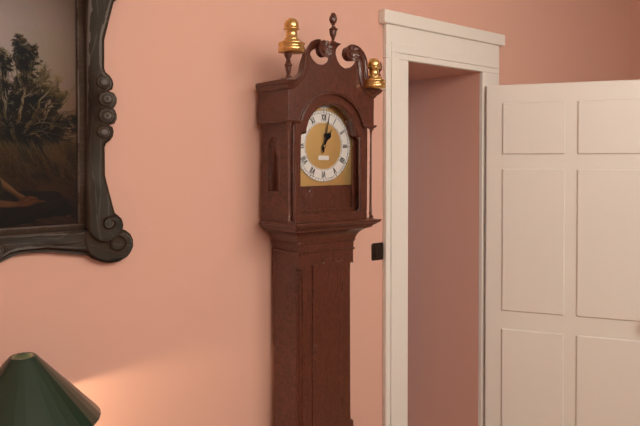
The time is h=1 m=2
